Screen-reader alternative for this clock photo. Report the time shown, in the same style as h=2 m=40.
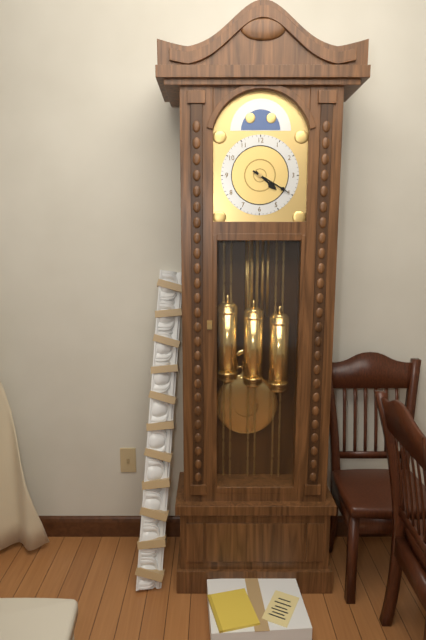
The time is h=4 m=20
